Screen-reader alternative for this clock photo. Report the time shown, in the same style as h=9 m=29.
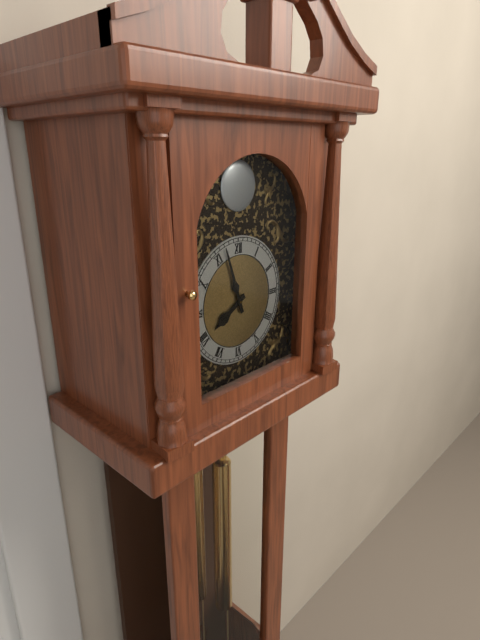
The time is h=7 m=57
